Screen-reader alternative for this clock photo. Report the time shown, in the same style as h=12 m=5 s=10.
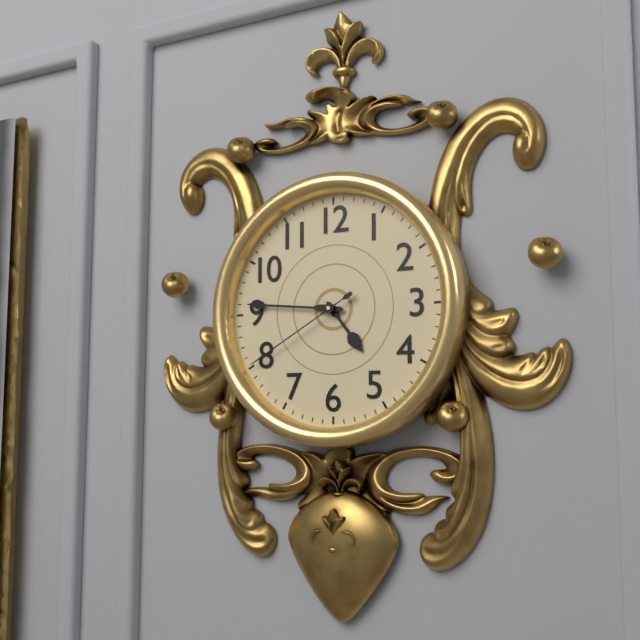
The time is h=4 m=46 s=40
